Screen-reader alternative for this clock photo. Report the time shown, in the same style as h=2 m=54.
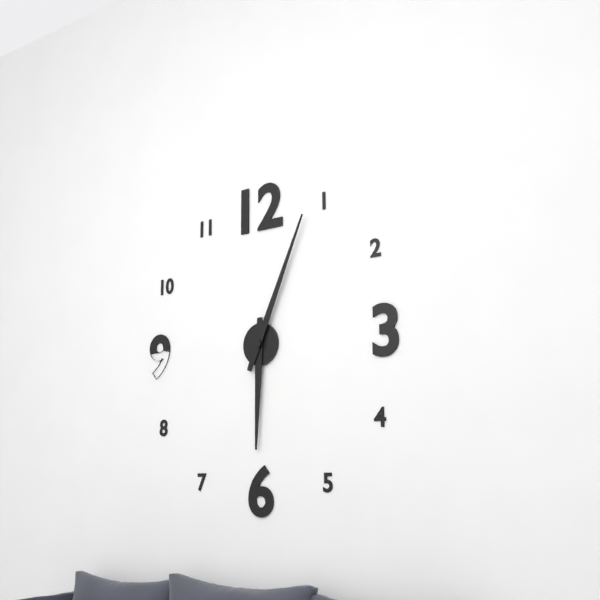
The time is h=6 m=4
